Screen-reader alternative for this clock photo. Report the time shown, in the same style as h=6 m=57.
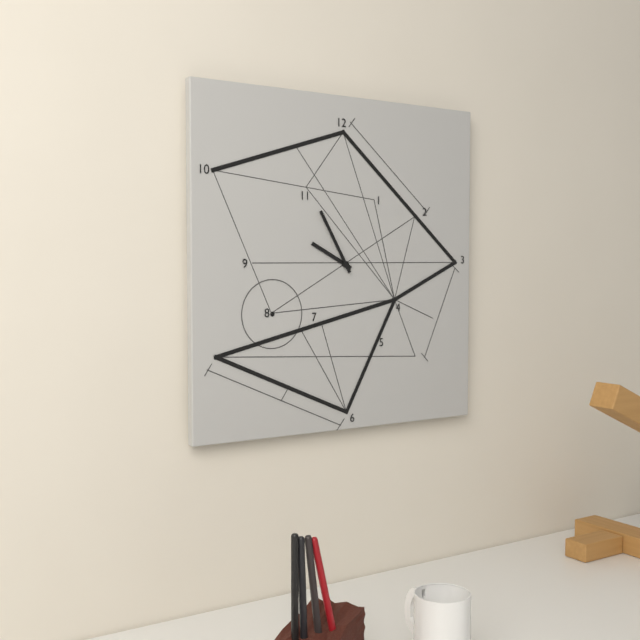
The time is h=9 m=55
